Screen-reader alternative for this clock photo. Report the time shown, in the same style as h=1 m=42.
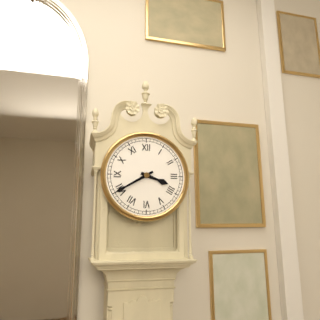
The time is h=3 m=40
